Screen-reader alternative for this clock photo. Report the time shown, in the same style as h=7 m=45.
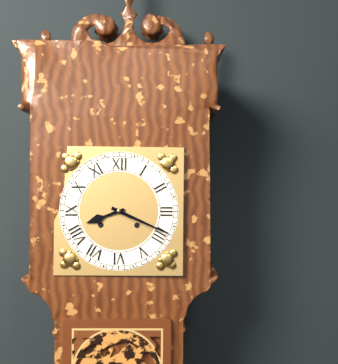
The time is h=8 m=19
